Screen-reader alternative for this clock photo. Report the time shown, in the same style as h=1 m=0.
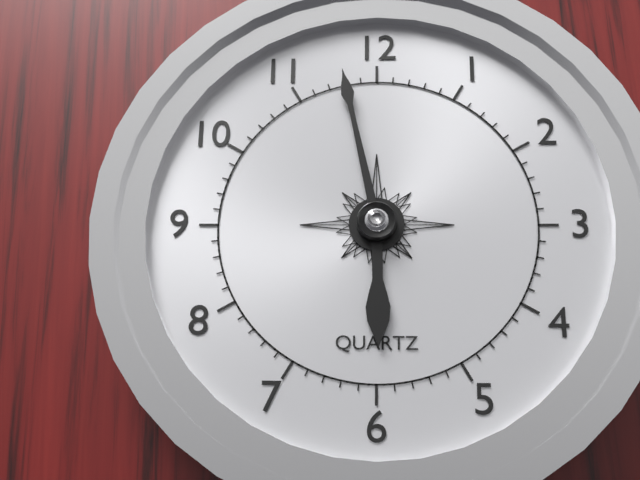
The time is h=5 m=58
